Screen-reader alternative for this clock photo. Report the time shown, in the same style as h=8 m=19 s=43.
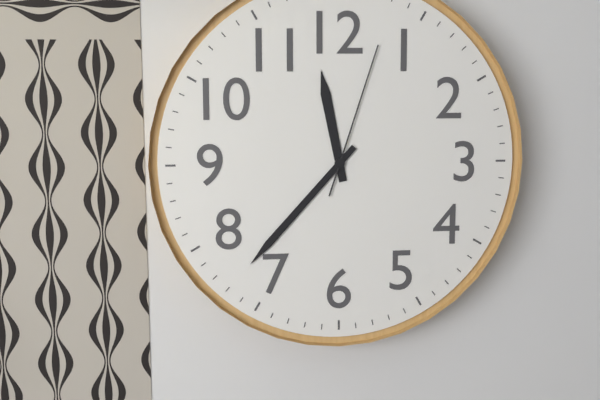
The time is h=11 m=37 s=3
